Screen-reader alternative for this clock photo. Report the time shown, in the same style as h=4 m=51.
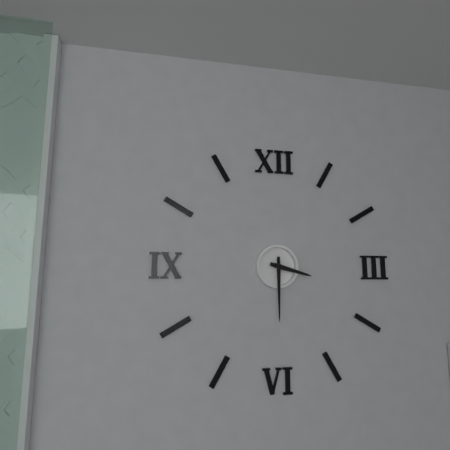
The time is h=3 m=30
